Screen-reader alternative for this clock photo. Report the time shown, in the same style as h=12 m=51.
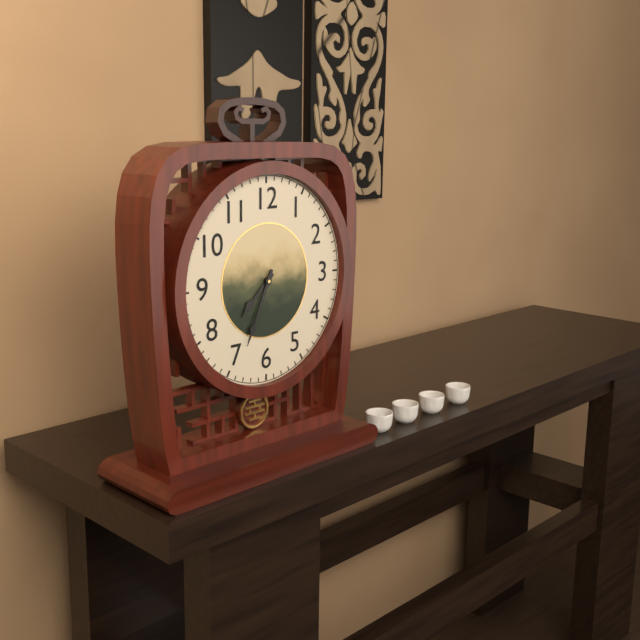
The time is h=7 m=34
